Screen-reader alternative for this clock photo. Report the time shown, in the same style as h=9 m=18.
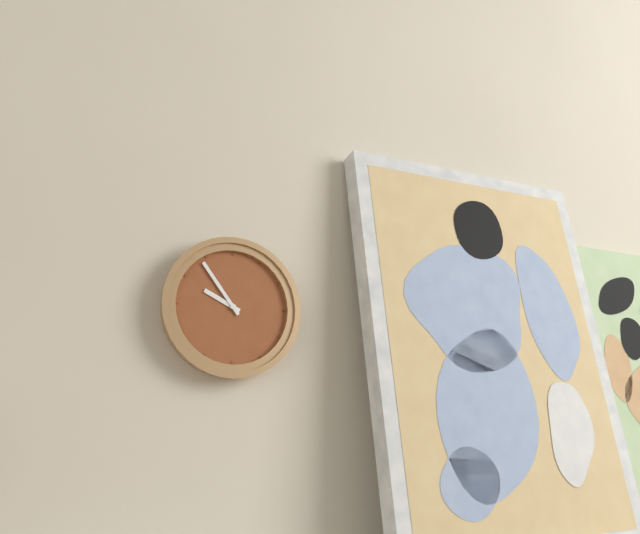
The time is h=9 m=54
